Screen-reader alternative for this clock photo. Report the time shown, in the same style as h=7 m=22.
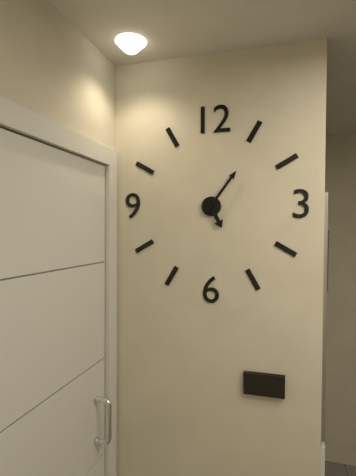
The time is h=5 m=6
